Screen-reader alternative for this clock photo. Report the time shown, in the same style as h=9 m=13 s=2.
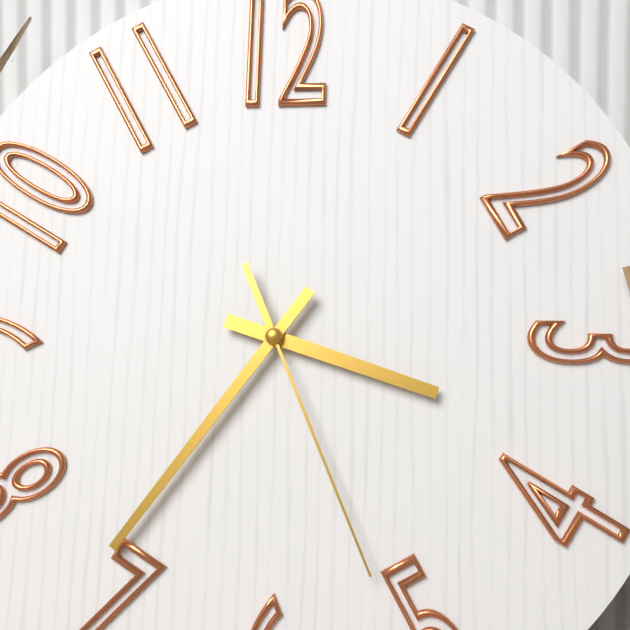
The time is h=3 m=36 s=26
